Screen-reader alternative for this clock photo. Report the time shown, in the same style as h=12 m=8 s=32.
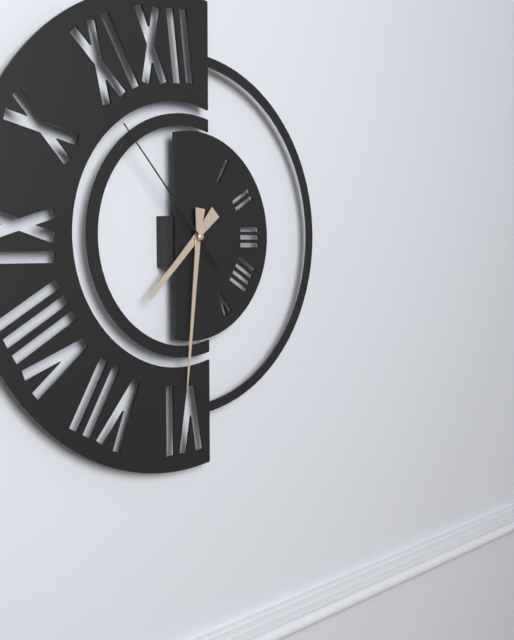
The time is h=7 m=31 s=53
